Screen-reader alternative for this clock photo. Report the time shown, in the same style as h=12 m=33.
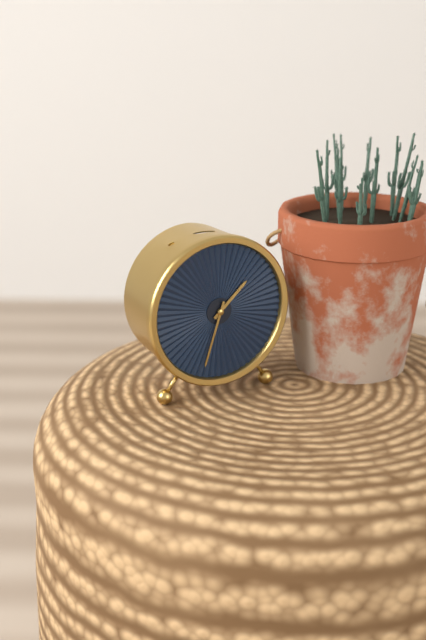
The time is h=1 m=33
